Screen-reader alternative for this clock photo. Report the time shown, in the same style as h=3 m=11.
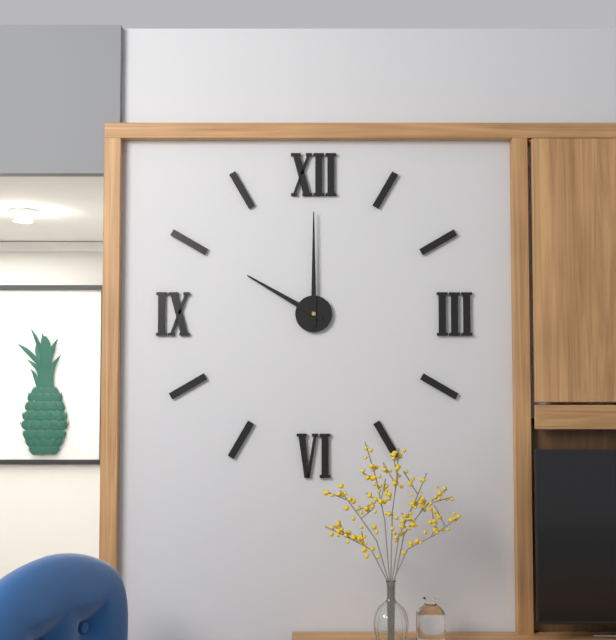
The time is h=10 m=0
